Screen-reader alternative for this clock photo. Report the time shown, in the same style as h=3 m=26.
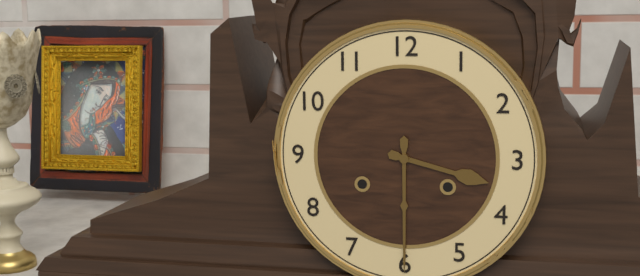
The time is h=3 m=30
